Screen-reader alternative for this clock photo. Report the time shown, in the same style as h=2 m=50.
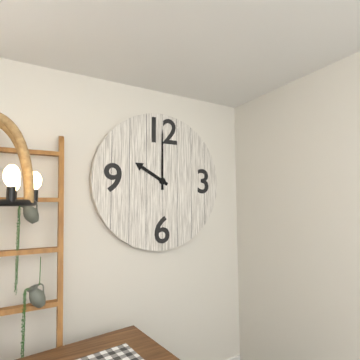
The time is h=10 m=0
